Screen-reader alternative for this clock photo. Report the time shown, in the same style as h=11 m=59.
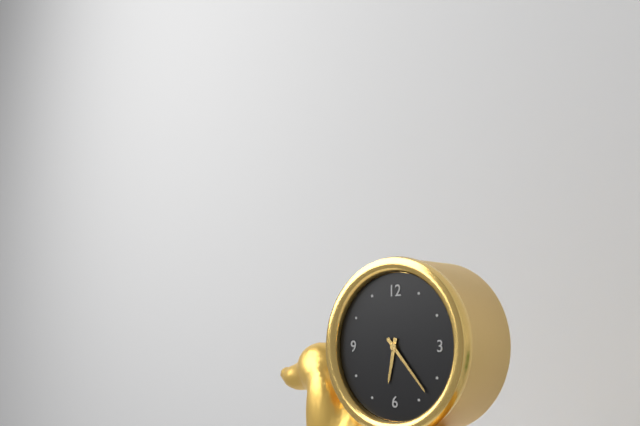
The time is h=6 m=23
